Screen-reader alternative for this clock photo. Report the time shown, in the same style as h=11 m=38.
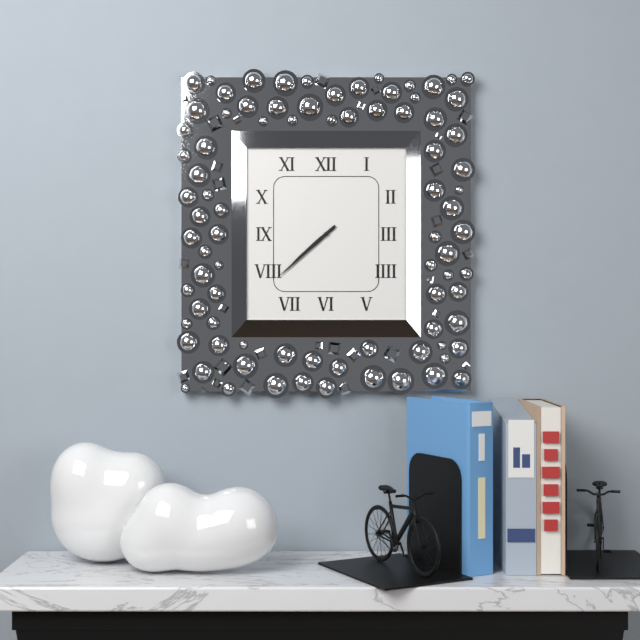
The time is h=7 m=38
